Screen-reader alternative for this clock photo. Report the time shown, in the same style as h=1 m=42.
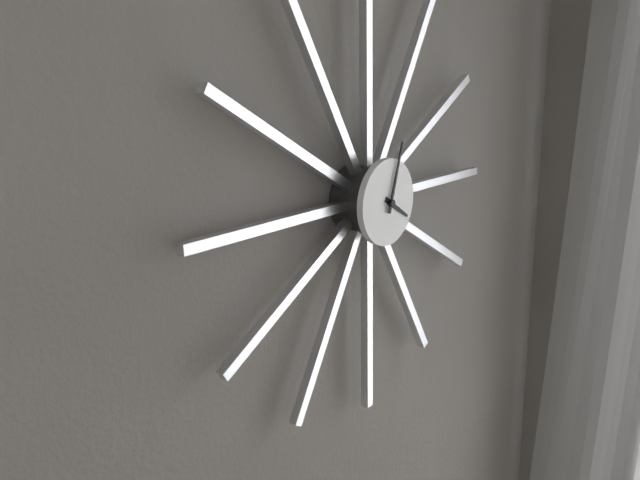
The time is h=4 m=3
